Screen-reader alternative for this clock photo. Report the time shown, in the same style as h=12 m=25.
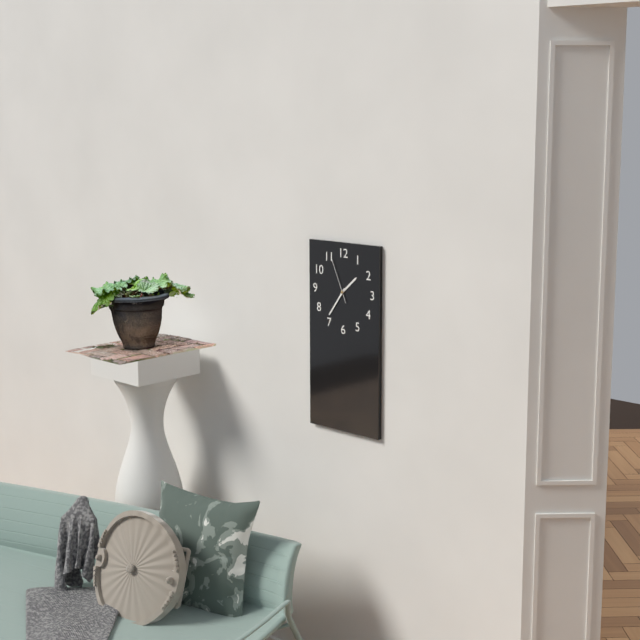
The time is h=1 m=36
